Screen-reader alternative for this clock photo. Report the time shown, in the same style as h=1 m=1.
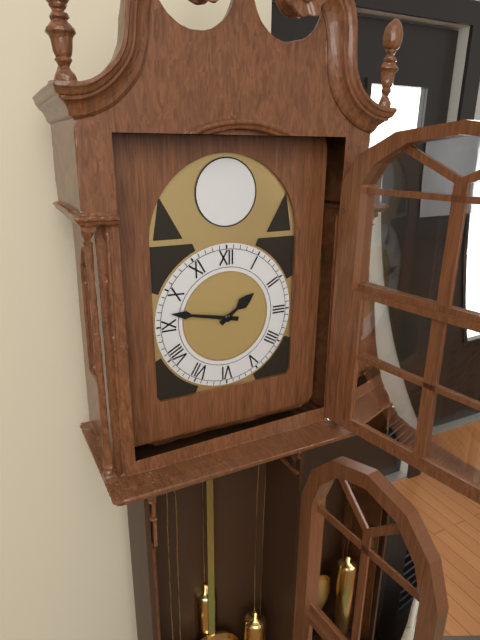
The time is h=1 m=47
